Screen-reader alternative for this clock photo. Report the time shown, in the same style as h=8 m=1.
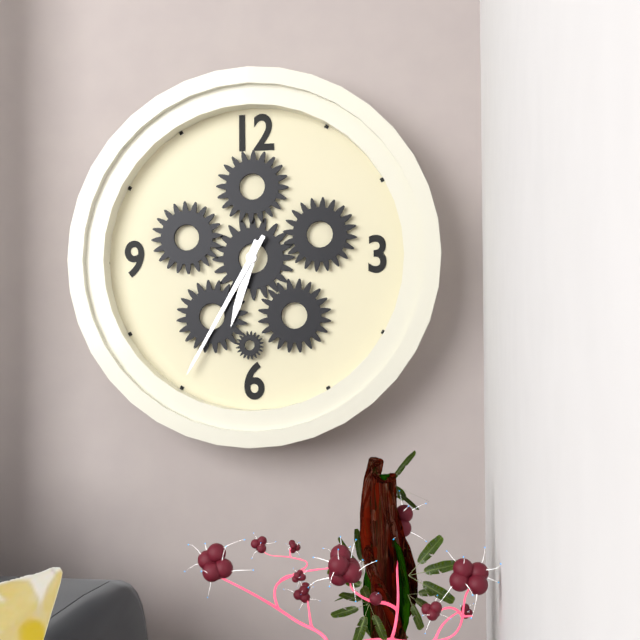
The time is h=6 m=35
